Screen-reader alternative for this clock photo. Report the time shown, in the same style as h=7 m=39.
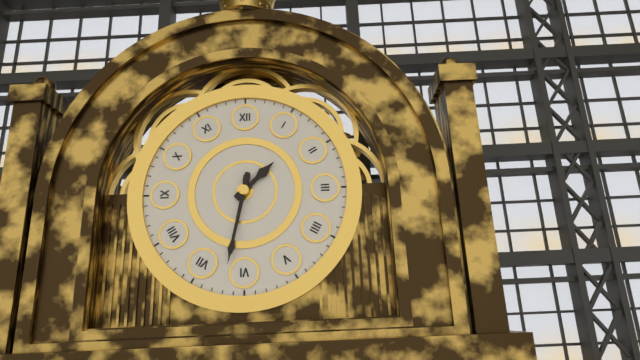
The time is h=1 m=32
